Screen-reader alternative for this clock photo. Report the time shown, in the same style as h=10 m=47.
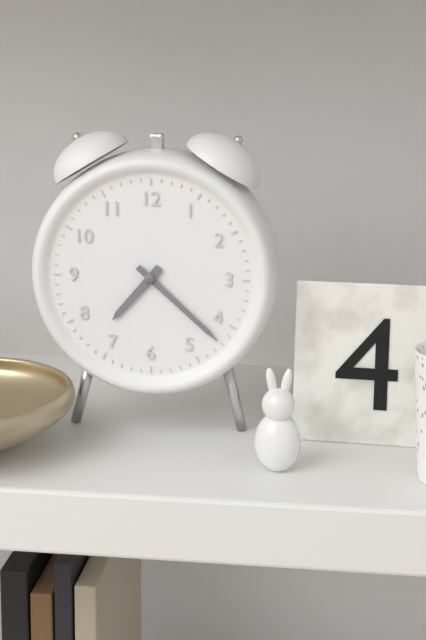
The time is h=7 m=22
